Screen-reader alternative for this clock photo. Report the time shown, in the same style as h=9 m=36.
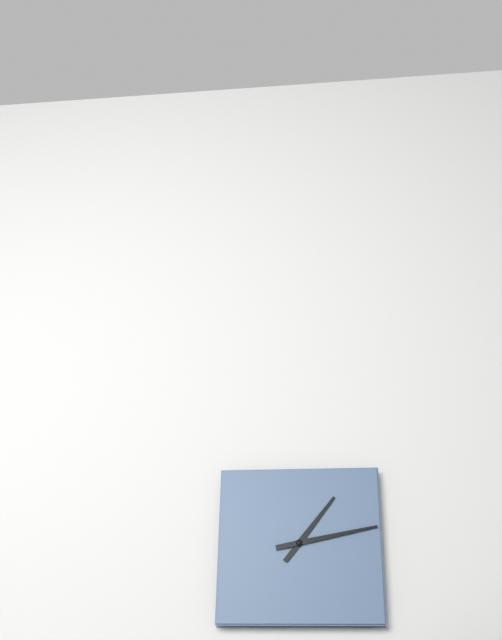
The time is h=1 m=13
